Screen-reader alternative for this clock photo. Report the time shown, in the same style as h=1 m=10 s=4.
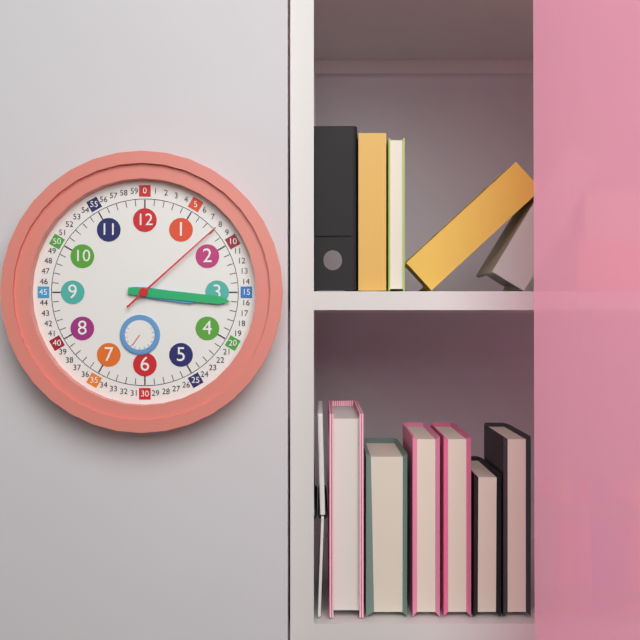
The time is h=3 m=16 s=8
